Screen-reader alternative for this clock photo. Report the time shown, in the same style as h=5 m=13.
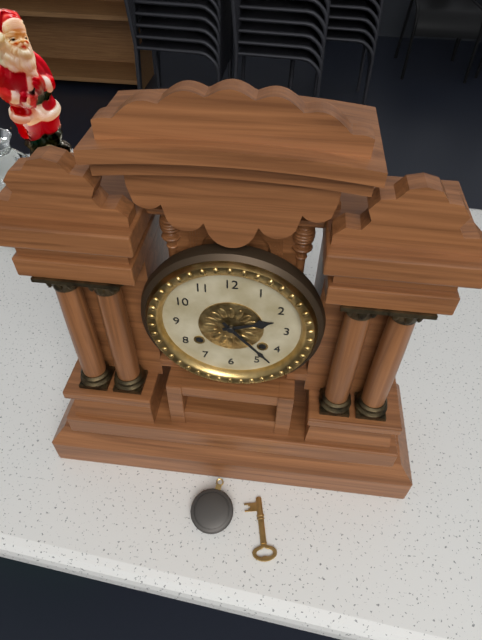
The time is h=2 m=23
